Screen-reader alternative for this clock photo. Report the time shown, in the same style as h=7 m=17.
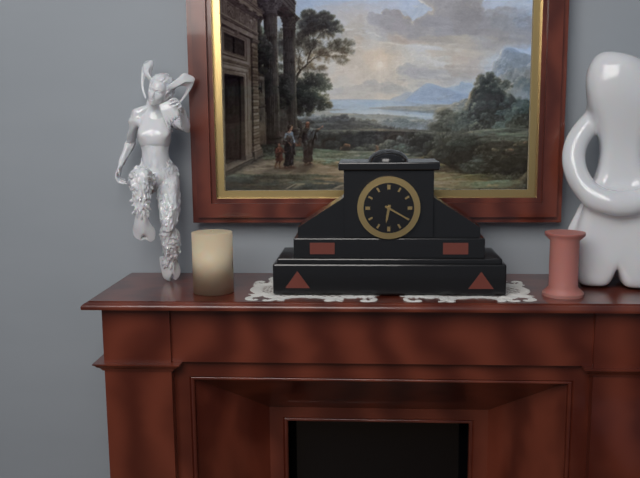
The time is h=6 m=20
